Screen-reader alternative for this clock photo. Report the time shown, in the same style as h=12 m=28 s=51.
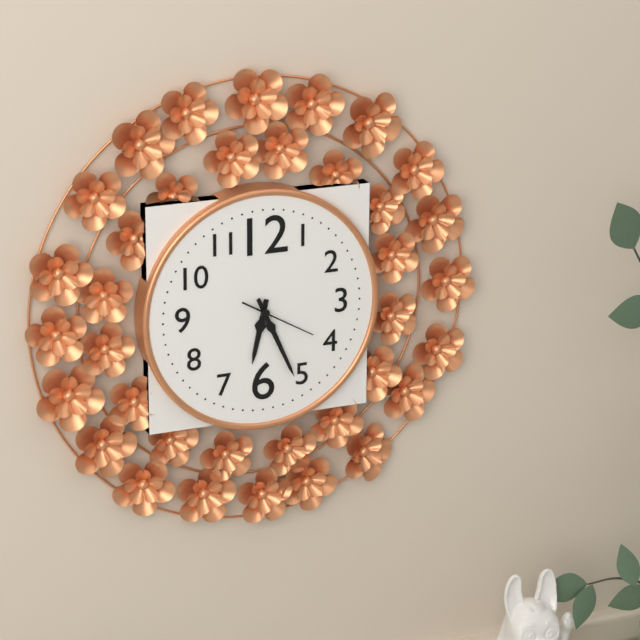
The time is h=6 m=26 s=20
